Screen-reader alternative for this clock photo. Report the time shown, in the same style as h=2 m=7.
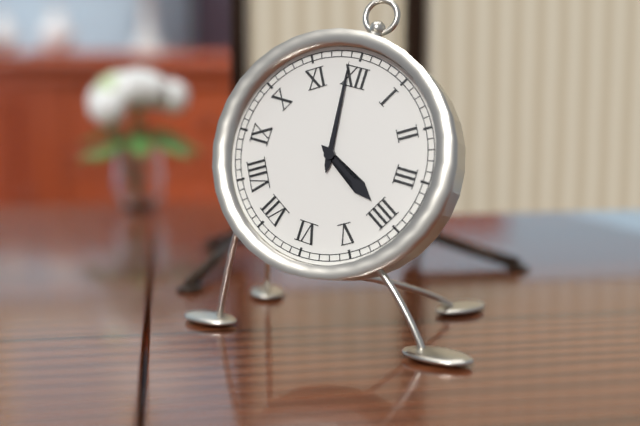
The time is h=3 m=59
